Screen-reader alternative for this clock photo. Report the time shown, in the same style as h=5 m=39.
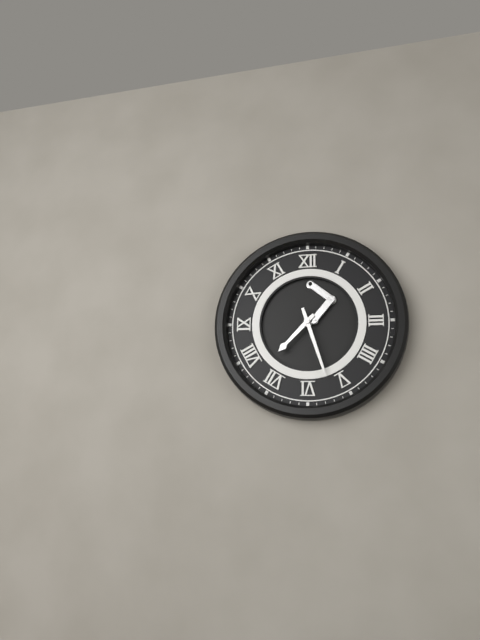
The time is h=7 m=27
